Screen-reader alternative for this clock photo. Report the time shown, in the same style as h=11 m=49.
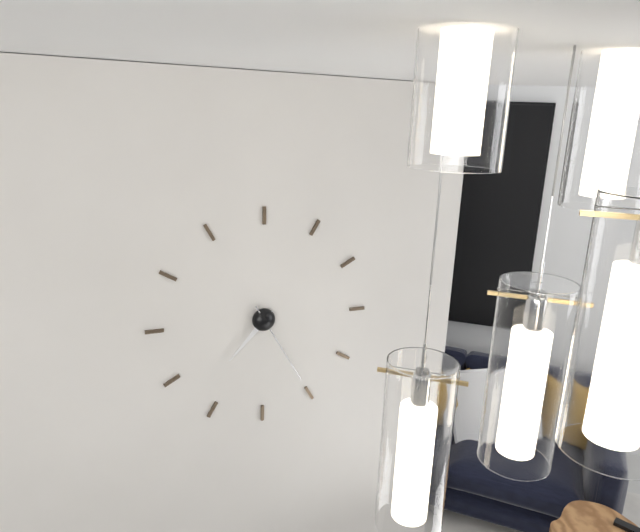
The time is h=7 m=25
